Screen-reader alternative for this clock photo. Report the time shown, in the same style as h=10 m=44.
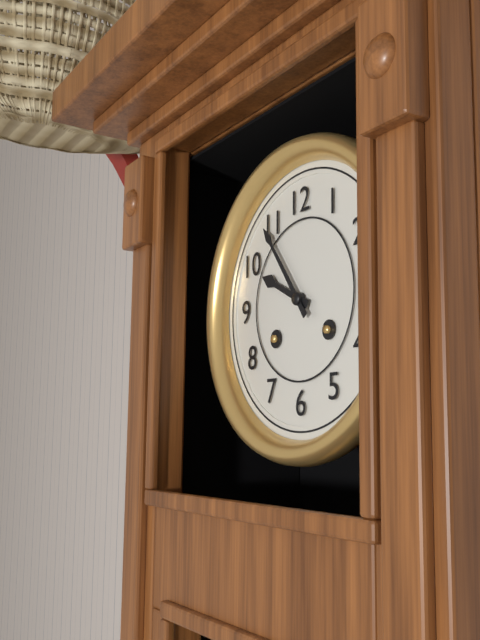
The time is h=9 m=54
